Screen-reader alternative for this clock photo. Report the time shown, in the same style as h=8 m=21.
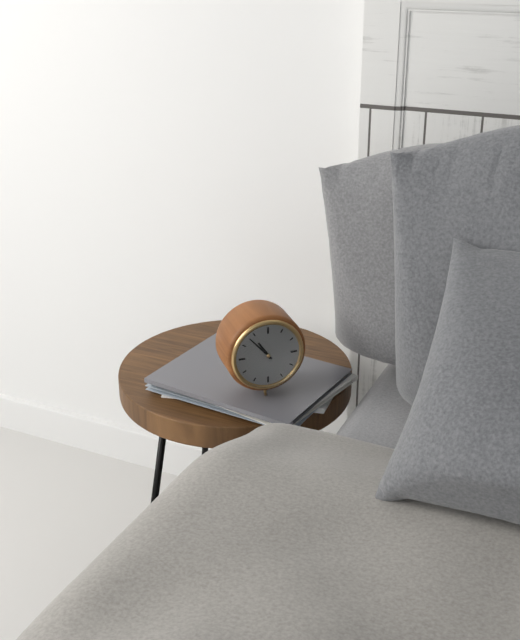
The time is h=10 m=53
